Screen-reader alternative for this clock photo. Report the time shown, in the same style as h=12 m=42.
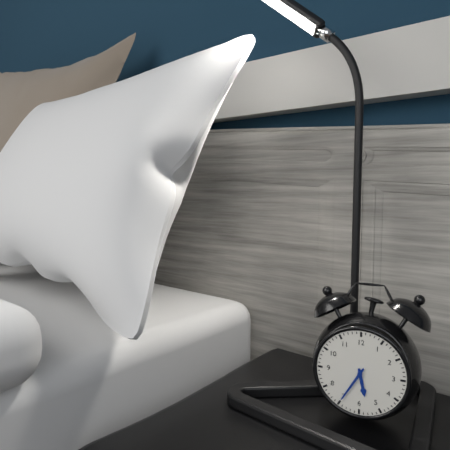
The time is h=5 m=35
